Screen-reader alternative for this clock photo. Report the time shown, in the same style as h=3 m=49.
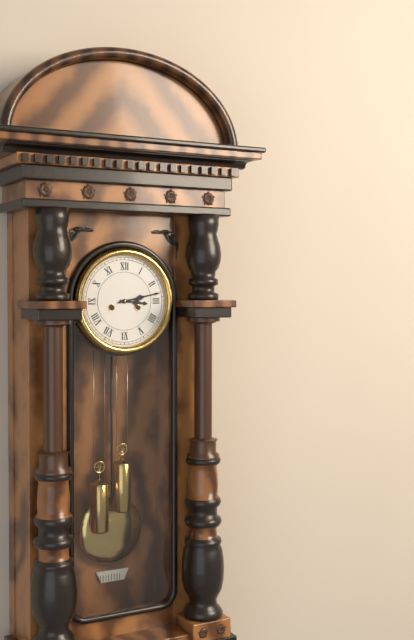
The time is h=3 m=13
